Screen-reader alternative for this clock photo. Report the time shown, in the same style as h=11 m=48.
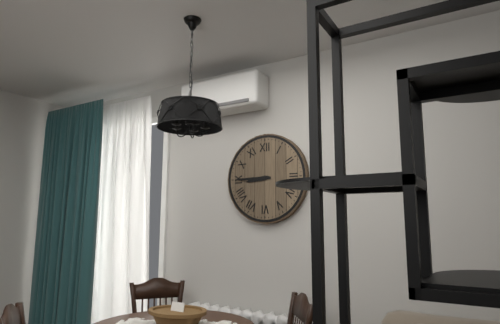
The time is h=8 m=45
